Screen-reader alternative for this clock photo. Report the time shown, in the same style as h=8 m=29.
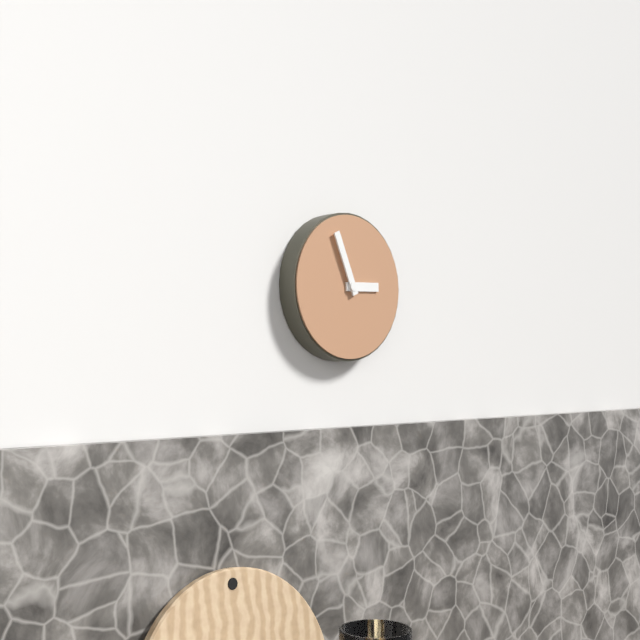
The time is h=2 m=56
